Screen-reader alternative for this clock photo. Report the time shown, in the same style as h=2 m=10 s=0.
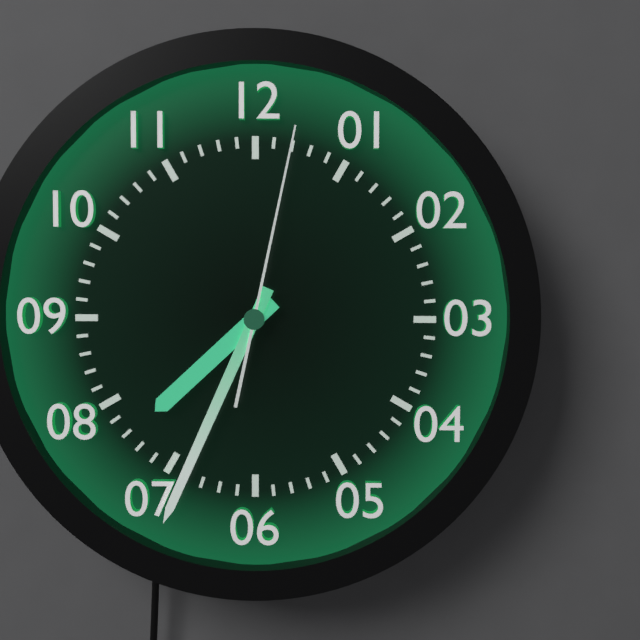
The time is h=7 m=34 s=2
